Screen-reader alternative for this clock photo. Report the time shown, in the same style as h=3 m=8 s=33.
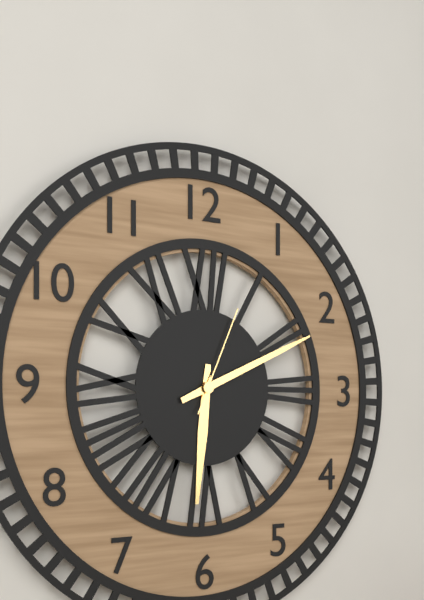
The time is h=6 m=11 s=4
